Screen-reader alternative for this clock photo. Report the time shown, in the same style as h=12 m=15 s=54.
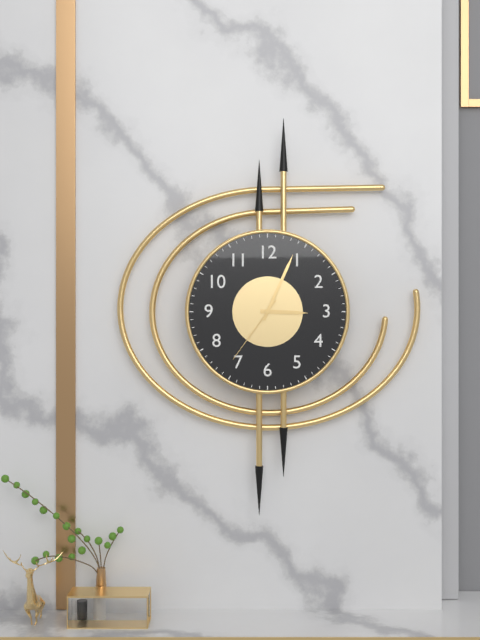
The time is h=3 m=4 s=36
